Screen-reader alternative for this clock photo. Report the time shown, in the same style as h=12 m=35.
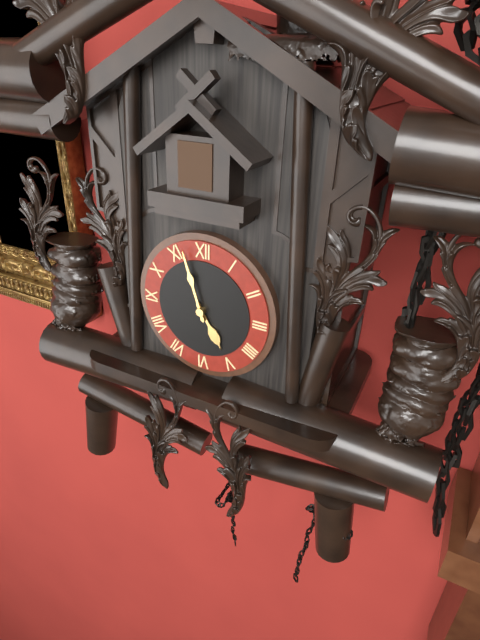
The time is h=4 m=57
